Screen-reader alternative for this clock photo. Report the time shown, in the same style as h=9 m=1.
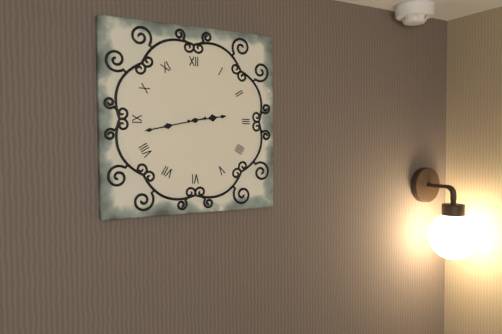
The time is h=2 m=43
